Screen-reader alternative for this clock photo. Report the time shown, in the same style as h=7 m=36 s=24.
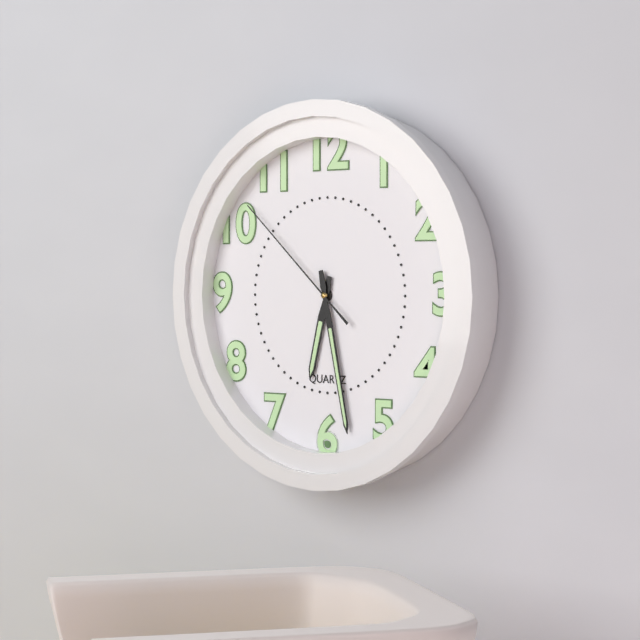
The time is h=6 m=28 s=52
